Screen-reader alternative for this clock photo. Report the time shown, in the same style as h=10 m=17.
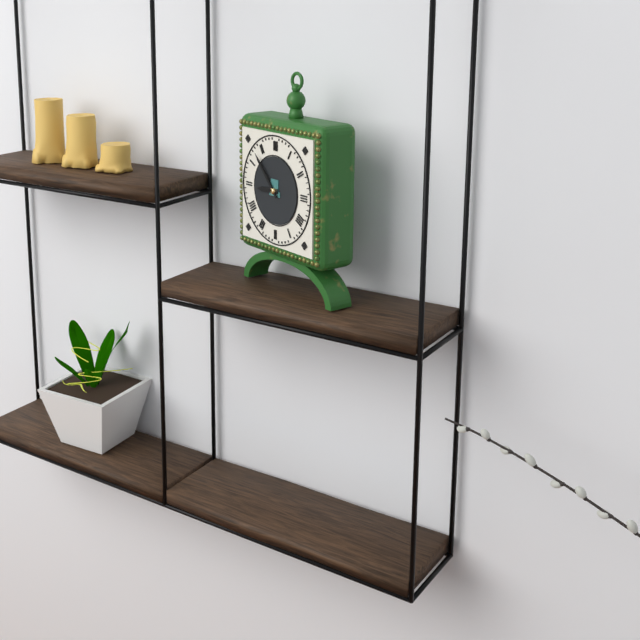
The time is h=8 m=53
